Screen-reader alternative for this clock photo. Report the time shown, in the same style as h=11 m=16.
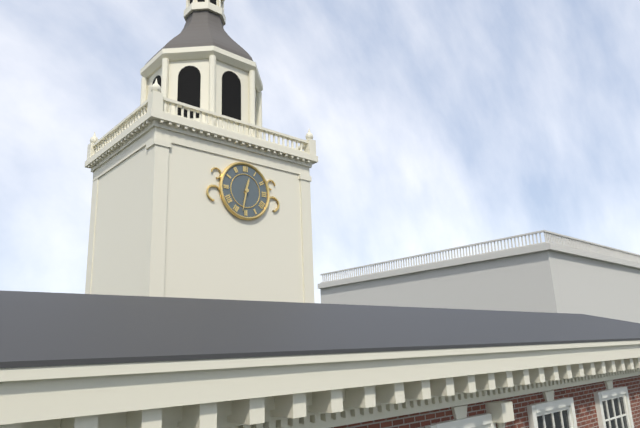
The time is h=12 m=32
